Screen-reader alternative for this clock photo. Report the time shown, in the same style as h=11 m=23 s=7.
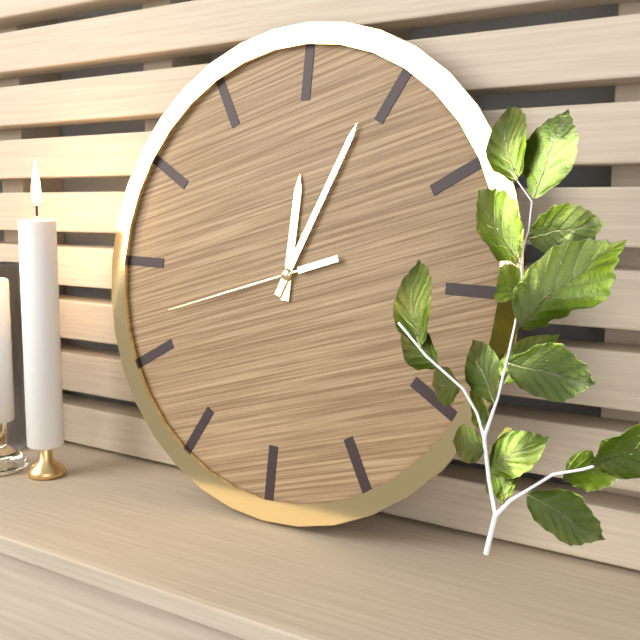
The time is h=12 m=4 s=42
